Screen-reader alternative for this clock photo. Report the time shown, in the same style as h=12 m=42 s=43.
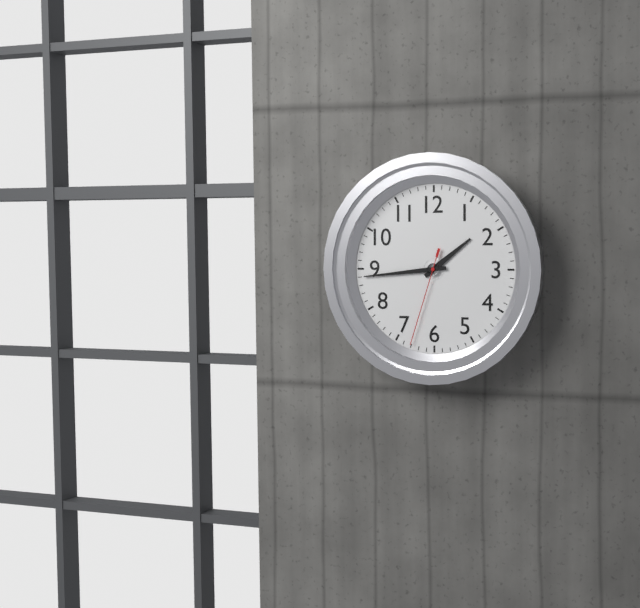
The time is h=1 m=44 s=33
